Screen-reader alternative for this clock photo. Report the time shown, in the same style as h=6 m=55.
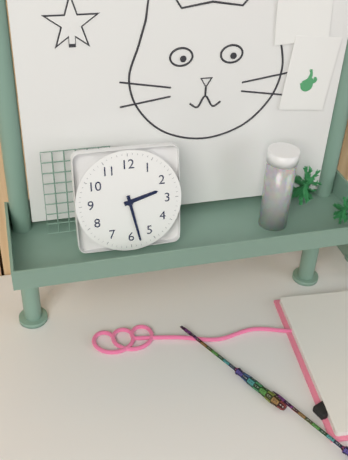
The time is h=2 m=28
